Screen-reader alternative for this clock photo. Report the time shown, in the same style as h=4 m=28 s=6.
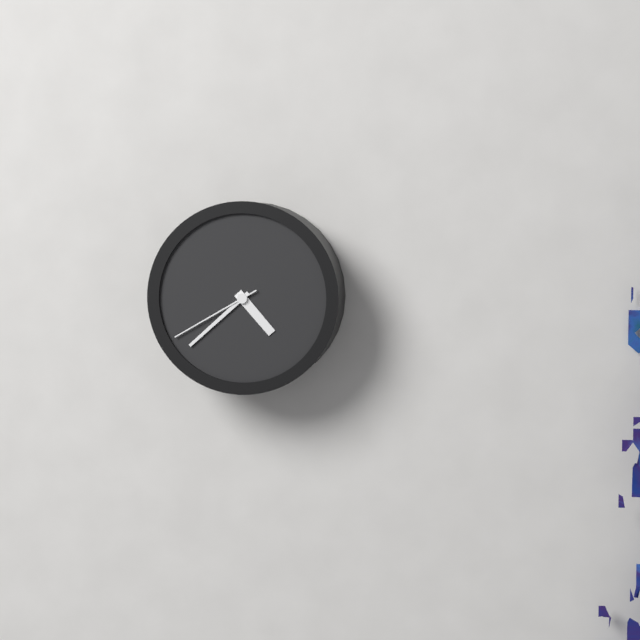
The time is h=4 m=38 s=40
